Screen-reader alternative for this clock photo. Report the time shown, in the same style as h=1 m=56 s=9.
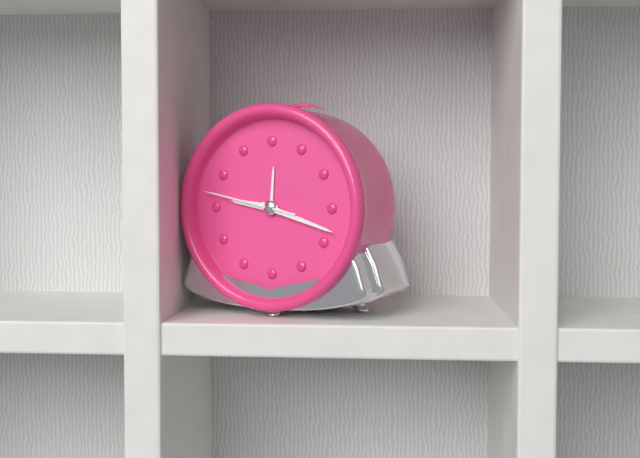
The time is h=9 m=18 s=47
